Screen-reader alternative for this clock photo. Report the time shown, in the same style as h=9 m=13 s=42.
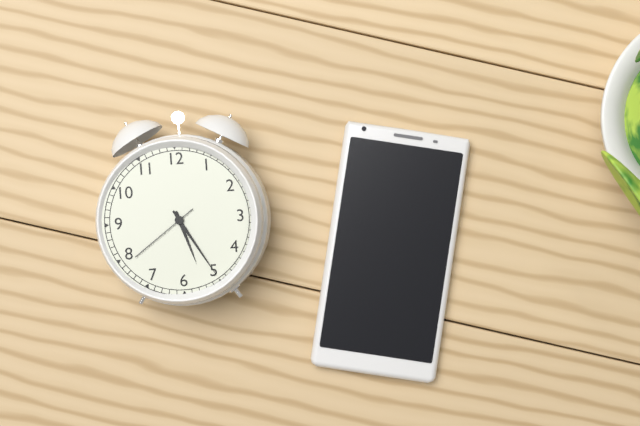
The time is h=5 m=25 s=39
